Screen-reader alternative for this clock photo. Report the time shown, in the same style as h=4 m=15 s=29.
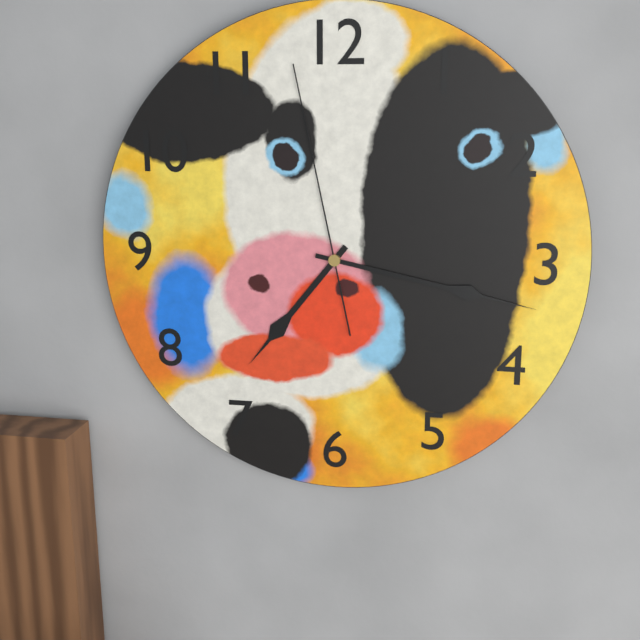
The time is h=7 m=17 s=58
